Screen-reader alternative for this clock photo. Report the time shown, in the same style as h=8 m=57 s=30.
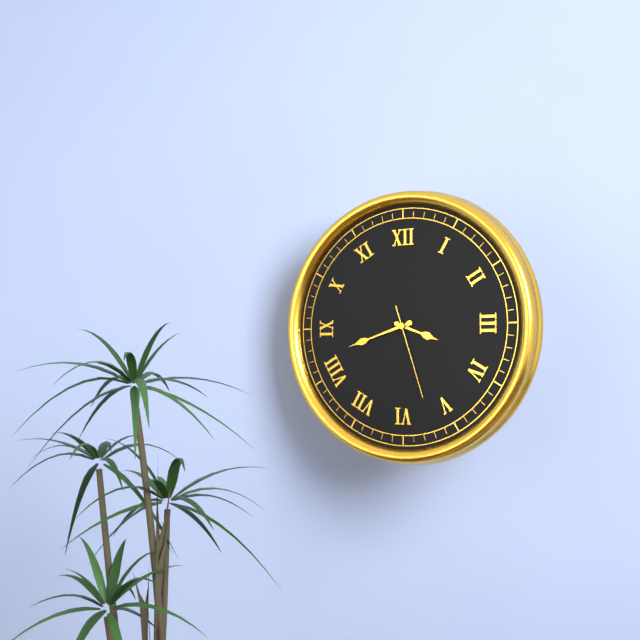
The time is h=3 m=42 s=27
